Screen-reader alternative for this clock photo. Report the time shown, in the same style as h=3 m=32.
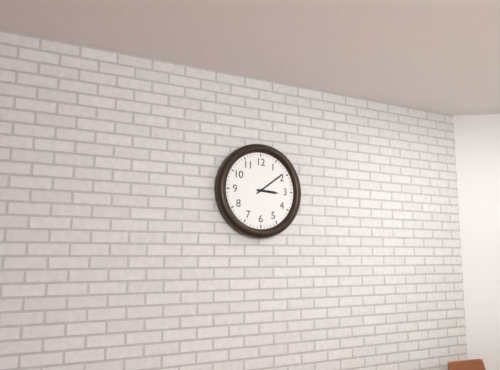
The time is h=3 m=9
